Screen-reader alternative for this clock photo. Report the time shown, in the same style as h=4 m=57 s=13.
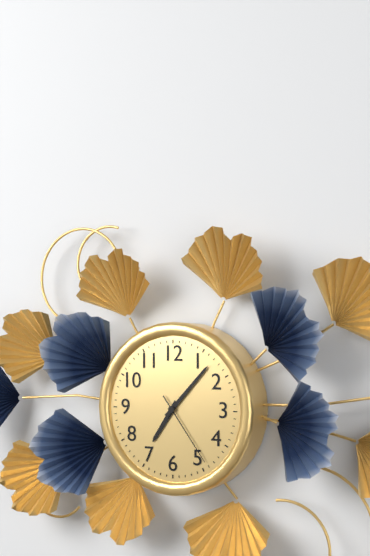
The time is h=7 m=7 s=24
